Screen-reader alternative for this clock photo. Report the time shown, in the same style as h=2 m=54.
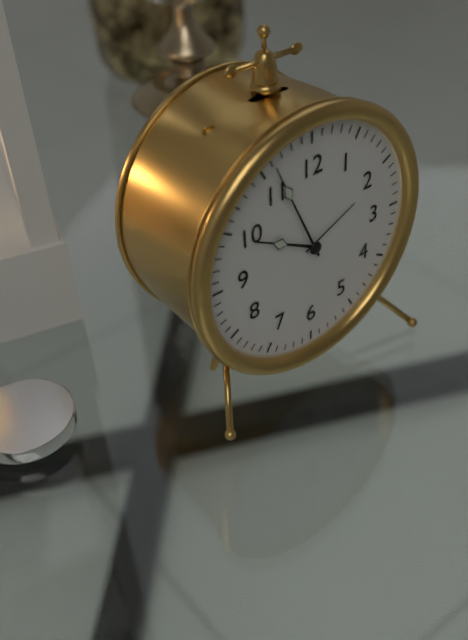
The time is h=9 m=56
